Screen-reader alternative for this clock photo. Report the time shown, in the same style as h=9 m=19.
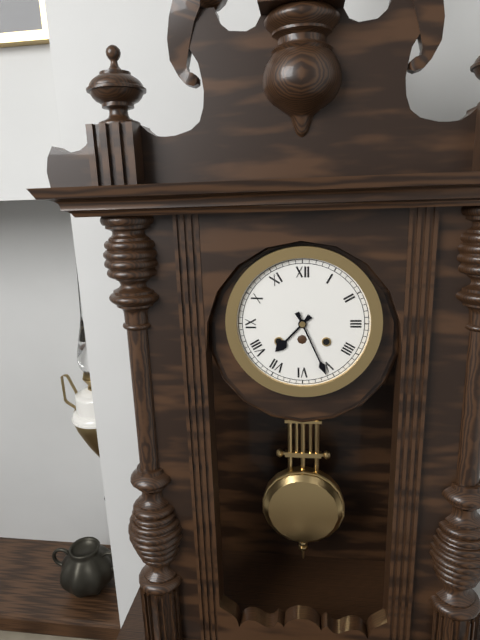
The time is h=7 m=26
